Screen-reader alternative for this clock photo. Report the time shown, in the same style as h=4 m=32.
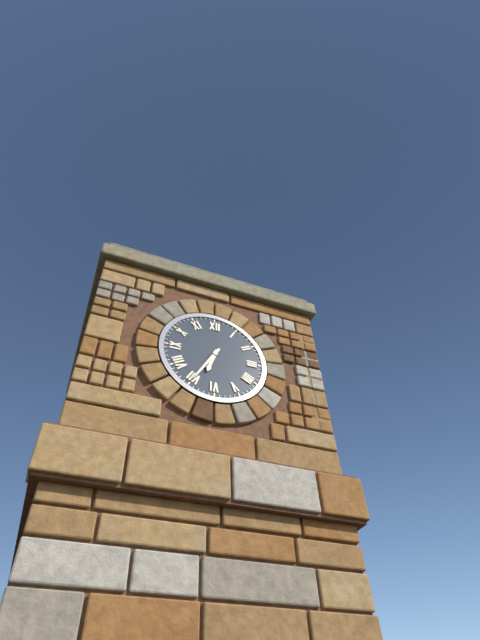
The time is h=6 m=35
